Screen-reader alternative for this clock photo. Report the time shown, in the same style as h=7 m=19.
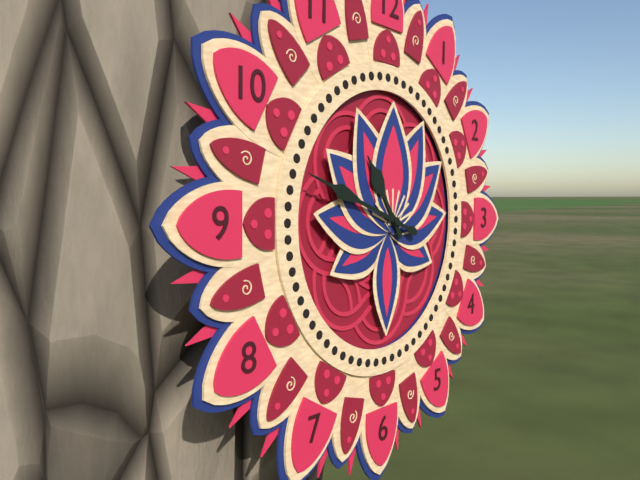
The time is h=10 m=48
